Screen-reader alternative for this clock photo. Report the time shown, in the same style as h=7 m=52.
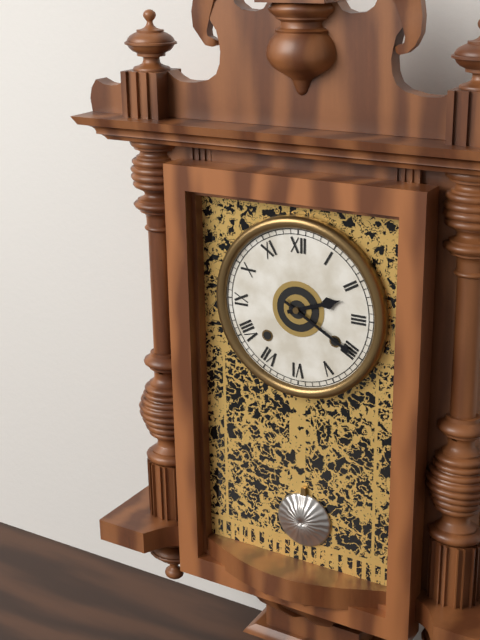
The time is h=2 m=20
